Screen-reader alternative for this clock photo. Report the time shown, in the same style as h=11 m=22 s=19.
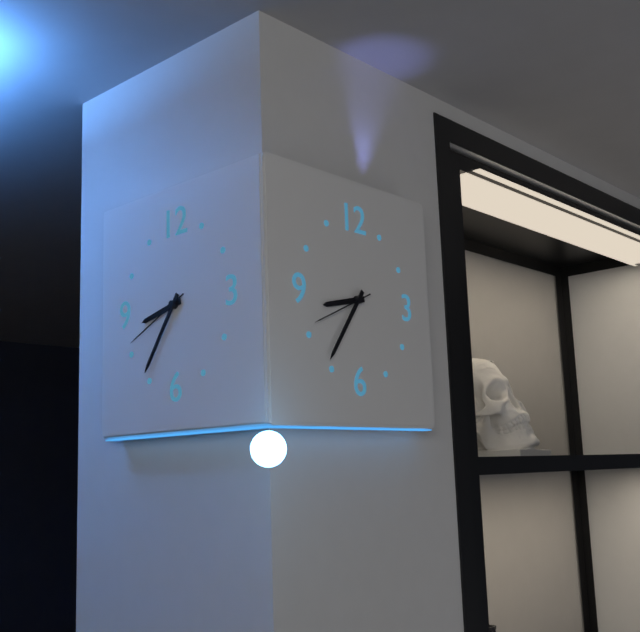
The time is h=8 m=36 s=41
